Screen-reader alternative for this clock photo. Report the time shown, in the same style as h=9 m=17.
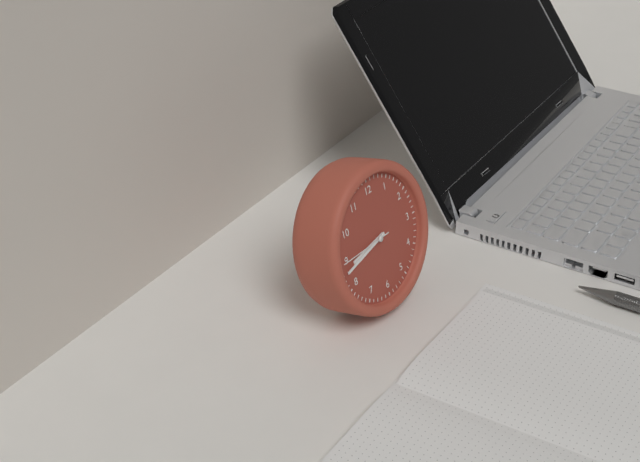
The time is h=8 m=43
